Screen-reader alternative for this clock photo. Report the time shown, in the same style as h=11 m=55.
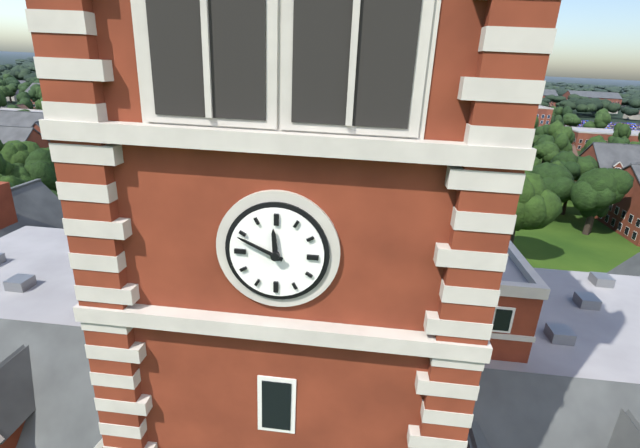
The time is h=11 m=49
